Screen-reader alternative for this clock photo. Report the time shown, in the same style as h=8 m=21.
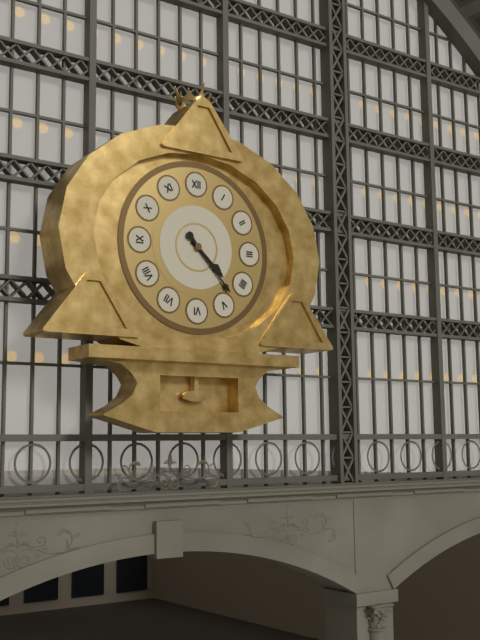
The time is h=4 m=23
